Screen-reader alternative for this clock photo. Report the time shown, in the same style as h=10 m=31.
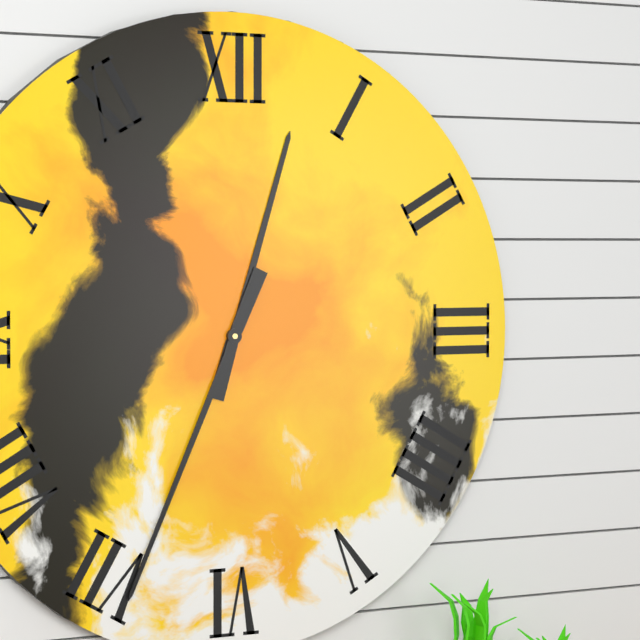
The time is h=12 m=34
